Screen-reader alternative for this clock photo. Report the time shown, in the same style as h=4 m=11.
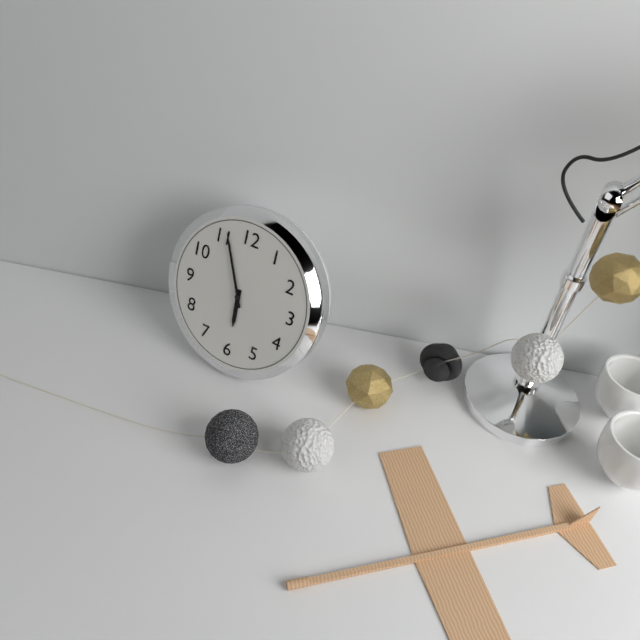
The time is h=5 m=56
